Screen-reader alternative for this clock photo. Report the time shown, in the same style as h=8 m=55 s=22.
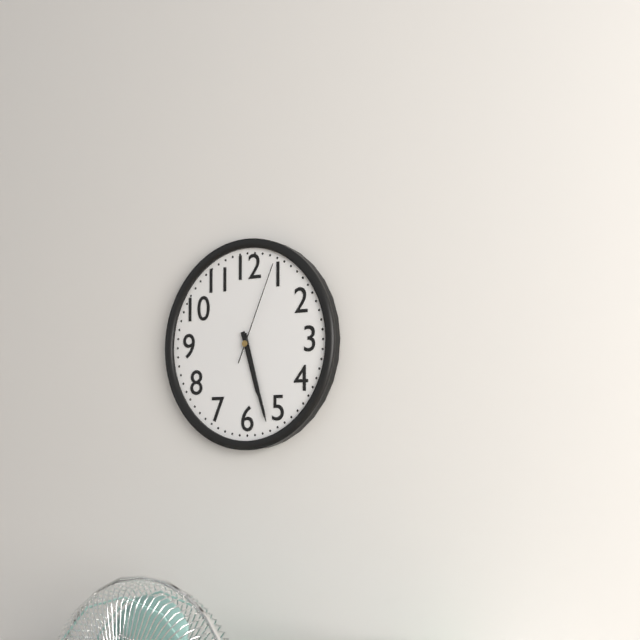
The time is h=5 m=27 s=4
